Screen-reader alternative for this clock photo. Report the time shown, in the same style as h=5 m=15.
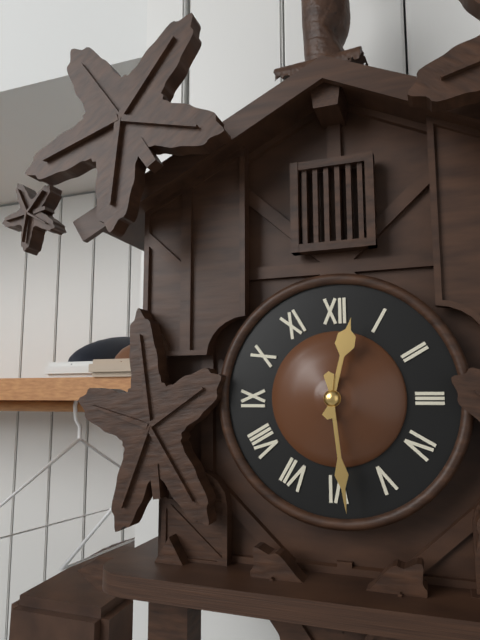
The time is h=12 m=29
